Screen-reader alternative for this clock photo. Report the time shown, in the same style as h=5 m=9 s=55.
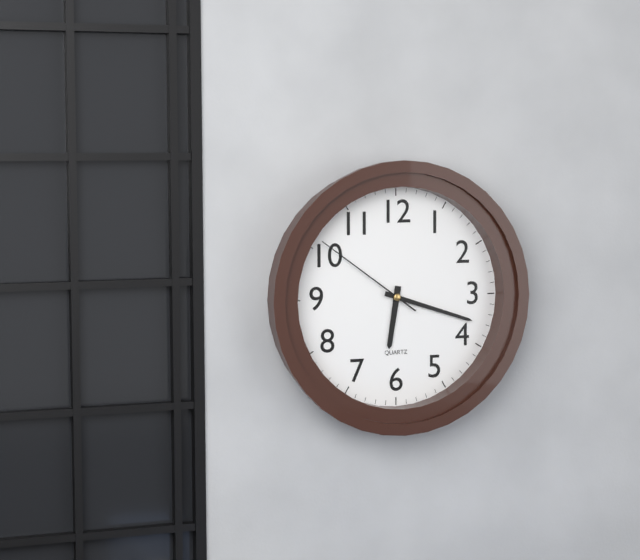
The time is h=6 m=18 s=51
